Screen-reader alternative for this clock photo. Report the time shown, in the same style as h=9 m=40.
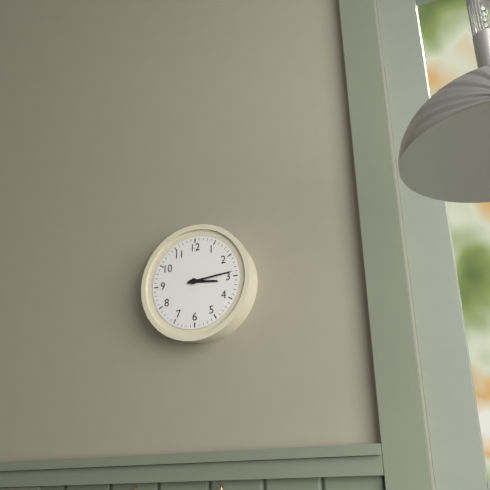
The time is h=3 m=14
